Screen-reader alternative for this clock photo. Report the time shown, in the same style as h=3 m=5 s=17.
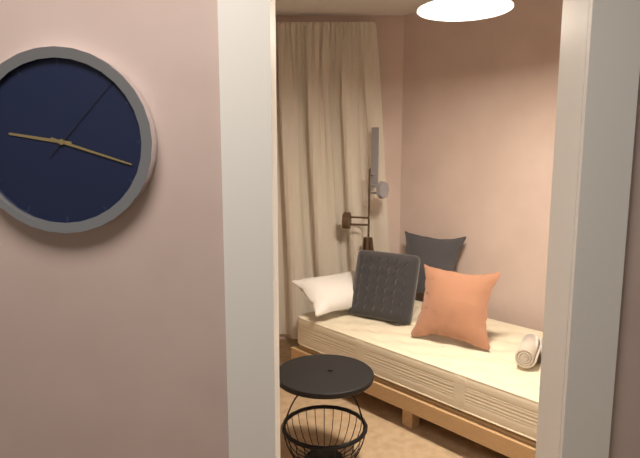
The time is h=9 m=18 s=7
